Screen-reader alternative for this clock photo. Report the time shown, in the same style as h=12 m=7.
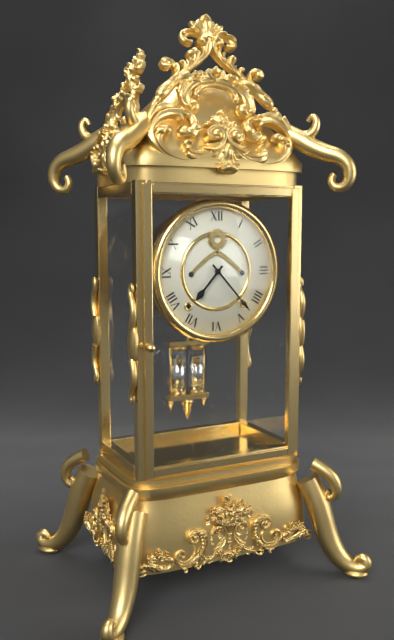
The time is h=7 m=23
